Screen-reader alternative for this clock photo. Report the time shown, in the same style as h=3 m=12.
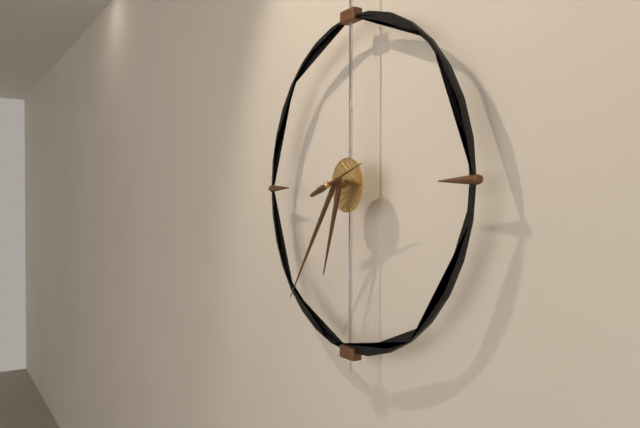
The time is h=6 m=36
